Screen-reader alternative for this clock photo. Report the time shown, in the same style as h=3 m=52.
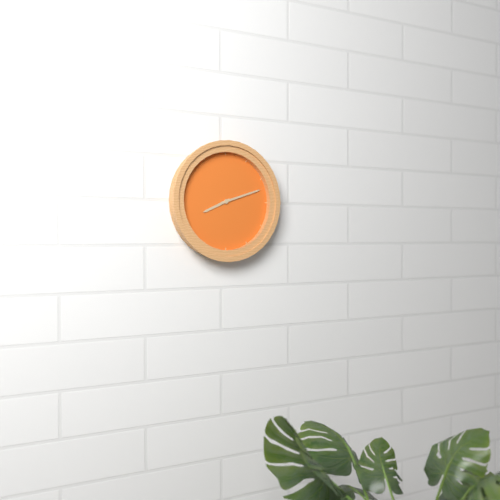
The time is h=8 m=12
